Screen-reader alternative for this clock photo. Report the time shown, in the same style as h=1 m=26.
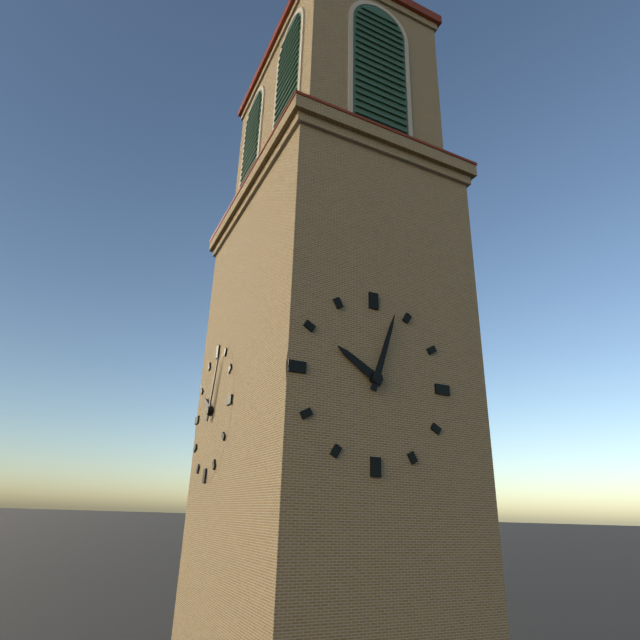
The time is h=10 m=3
